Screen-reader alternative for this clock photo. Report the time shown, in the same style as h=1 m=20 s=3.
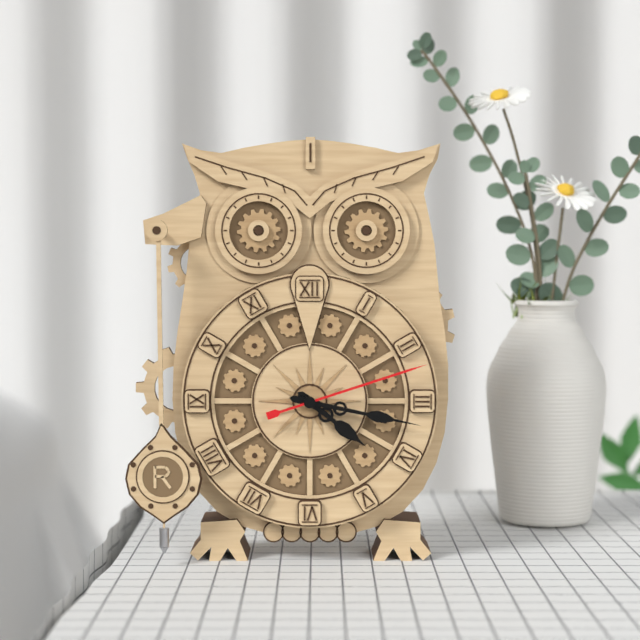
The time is h=4 m=17 s=12
